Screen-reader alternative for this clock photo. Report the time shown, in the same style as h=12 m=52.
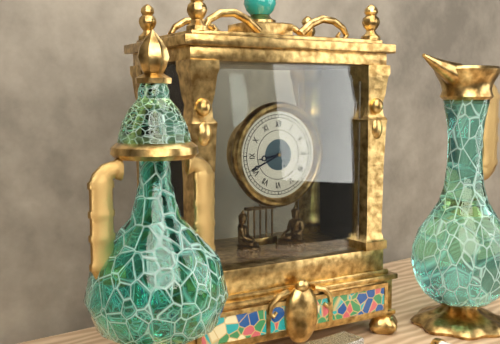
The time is h=8 m=41
